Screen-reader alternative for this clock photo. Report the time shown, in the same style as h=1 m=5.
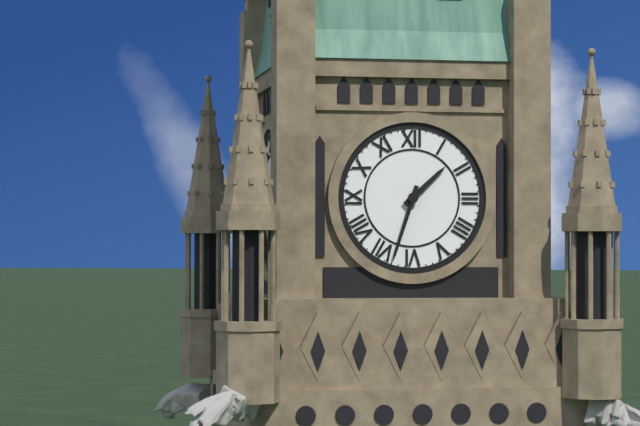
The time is h=1 m=33
